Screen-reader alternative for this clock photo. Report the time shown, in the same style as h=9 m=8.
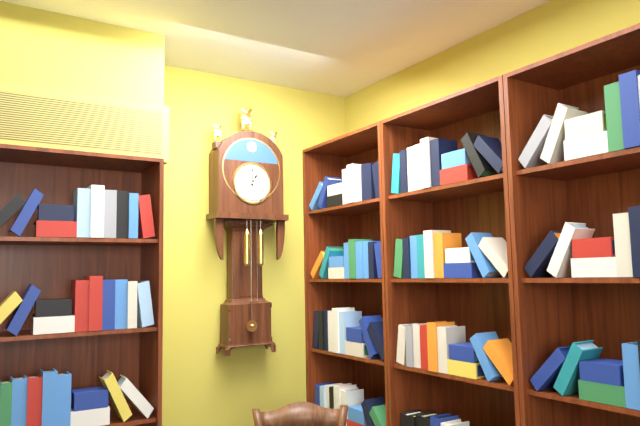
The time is h=1 m=0
